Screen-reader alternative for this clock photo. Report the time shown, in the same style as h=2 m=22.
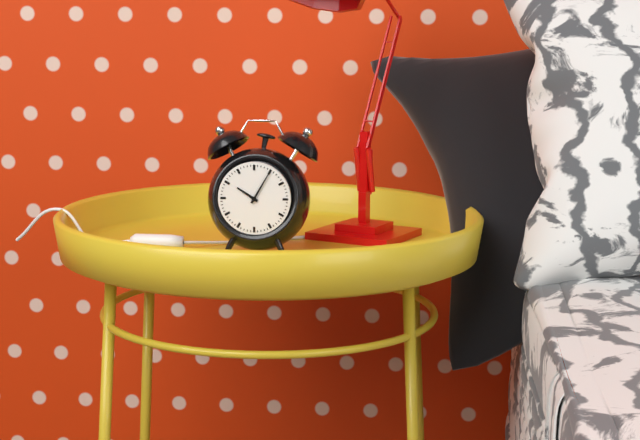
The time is h=10 m=5
